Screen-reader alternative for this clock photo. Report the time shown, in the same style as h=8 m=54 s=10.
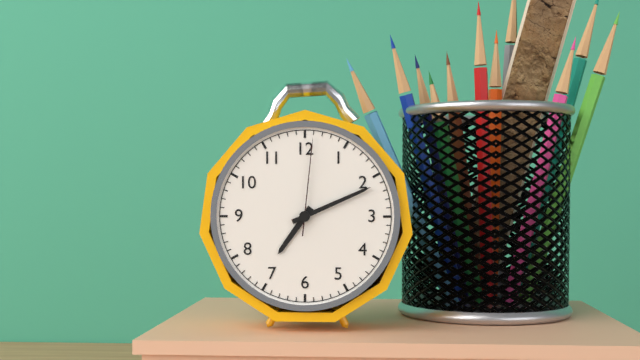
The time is h=7 m=11 s=1
